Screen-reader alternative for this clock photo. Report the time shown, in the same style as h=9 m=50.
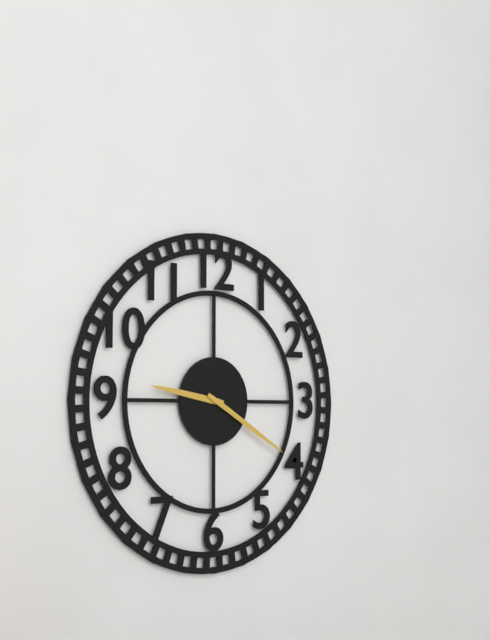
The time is h=9 m=20
